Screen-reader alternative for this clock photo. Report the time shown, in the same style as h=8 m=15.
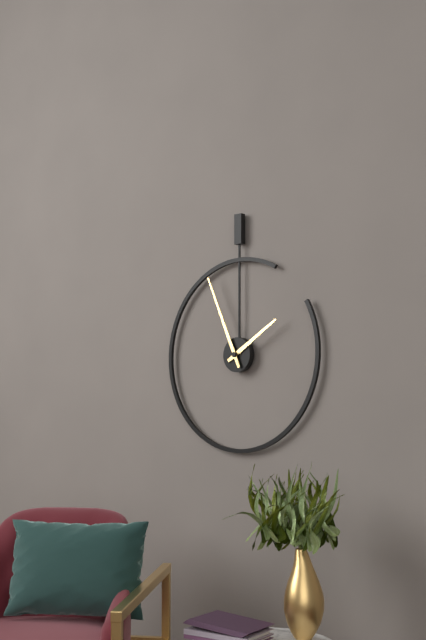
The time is h=1 m=56
